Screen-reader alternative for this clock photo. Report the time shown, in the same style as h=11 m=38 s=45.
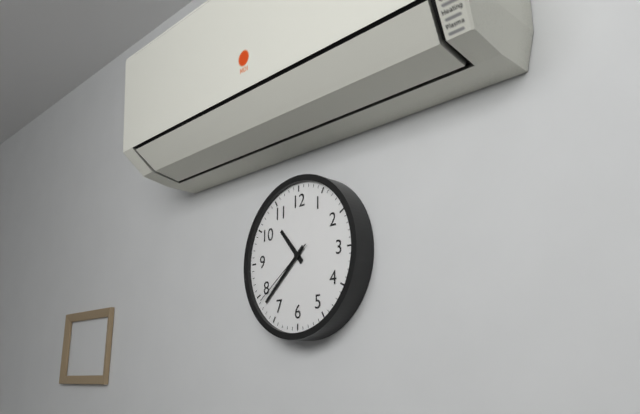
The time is h=10 m=38 s=39
